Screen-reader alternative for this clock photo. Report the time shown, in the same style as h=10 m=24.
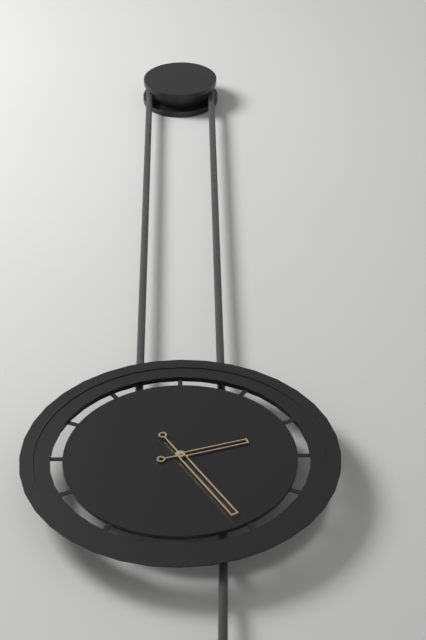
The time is h=2 m=25
